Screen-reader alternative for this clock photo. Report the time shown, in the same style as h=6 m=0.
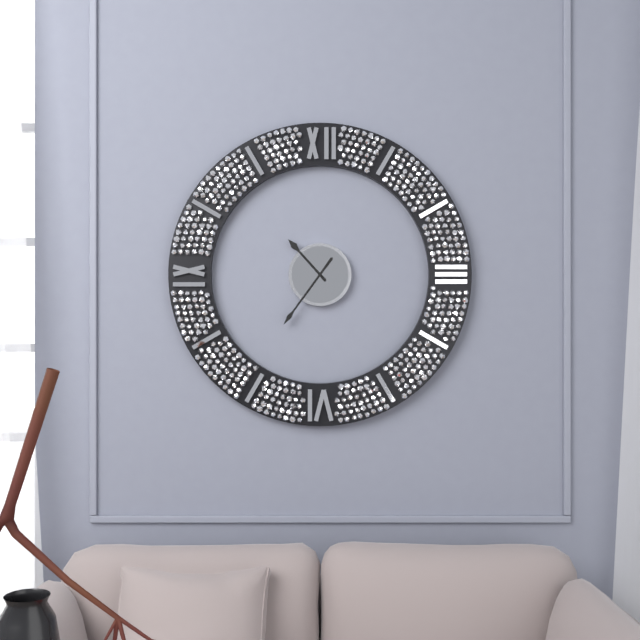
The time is h=10 m=36
